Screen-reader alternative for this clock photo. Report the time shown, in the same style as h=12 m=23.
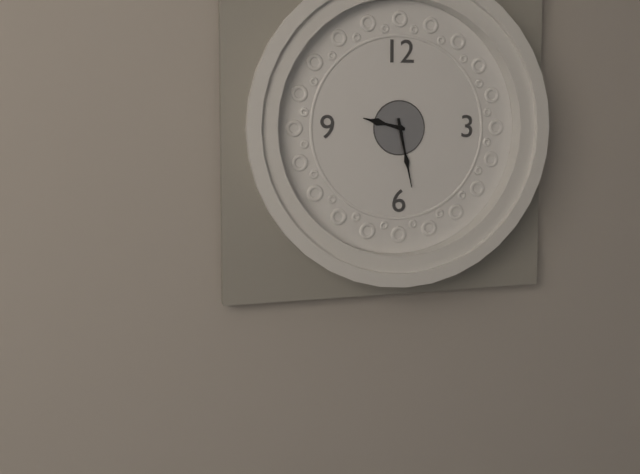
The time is h=9 m=28
